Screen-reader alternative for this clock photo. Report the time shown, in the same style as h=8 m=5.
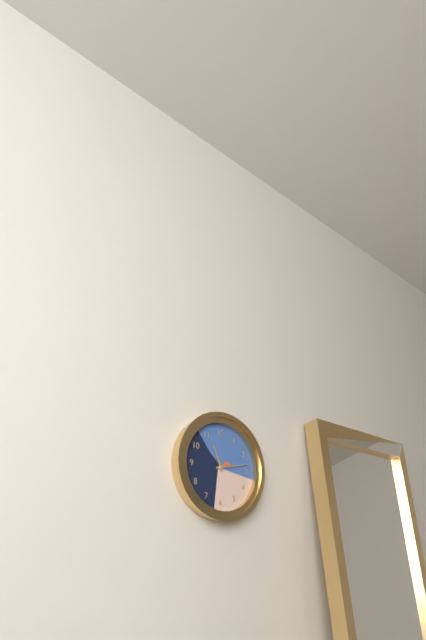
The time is h=11 m=13
